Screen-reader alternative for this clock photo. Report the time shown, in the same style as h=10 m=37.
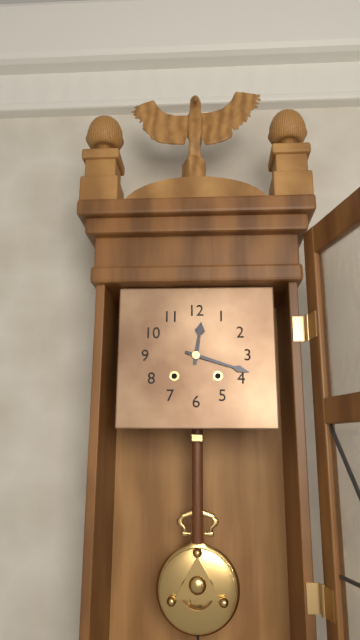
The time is h=12 m=18
